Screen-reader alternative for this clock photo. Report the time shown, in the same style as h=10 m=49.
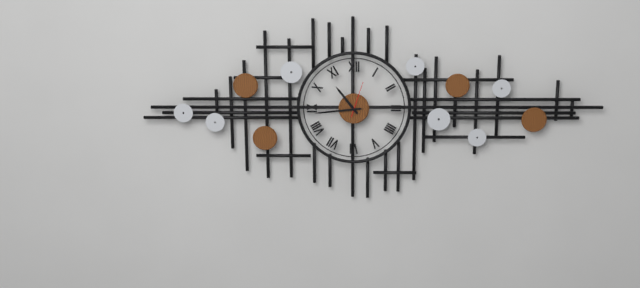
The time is h=10 m=44
